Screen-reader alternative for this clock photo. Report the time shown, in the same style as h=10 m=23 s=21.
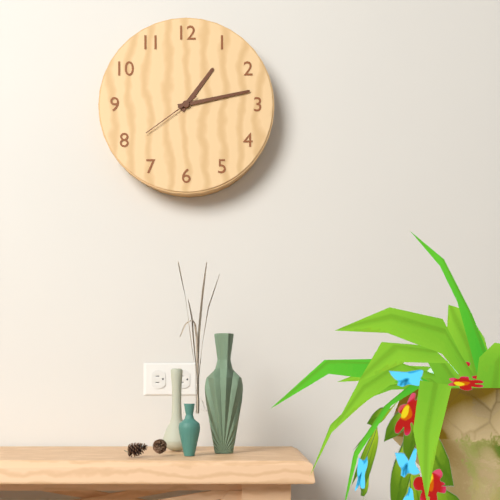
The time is h=1 m=13 s=39
